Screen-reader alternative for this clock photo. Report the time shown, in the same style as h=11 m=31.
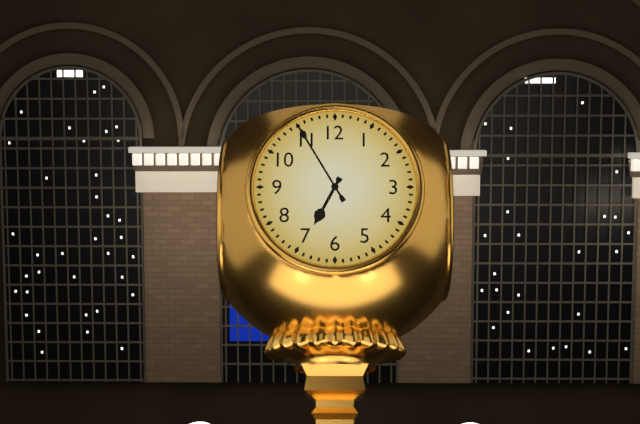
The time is h=6 m=55
